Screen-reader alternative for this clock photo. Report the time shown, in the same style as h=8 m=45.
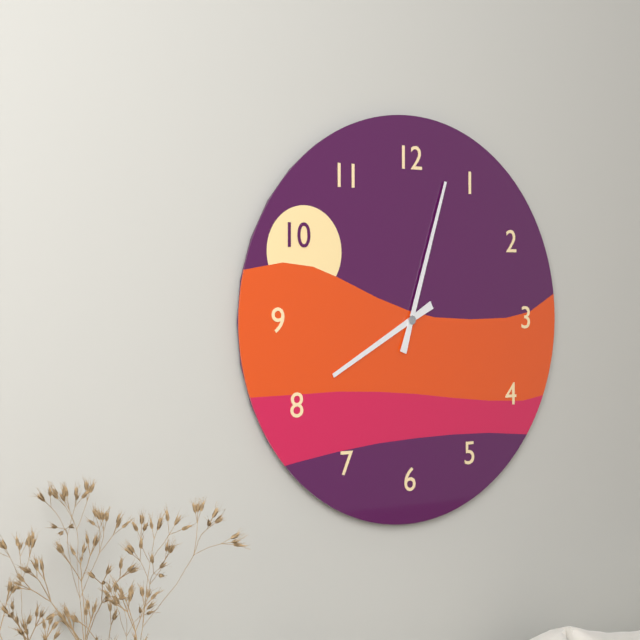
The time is h=8 m=3
